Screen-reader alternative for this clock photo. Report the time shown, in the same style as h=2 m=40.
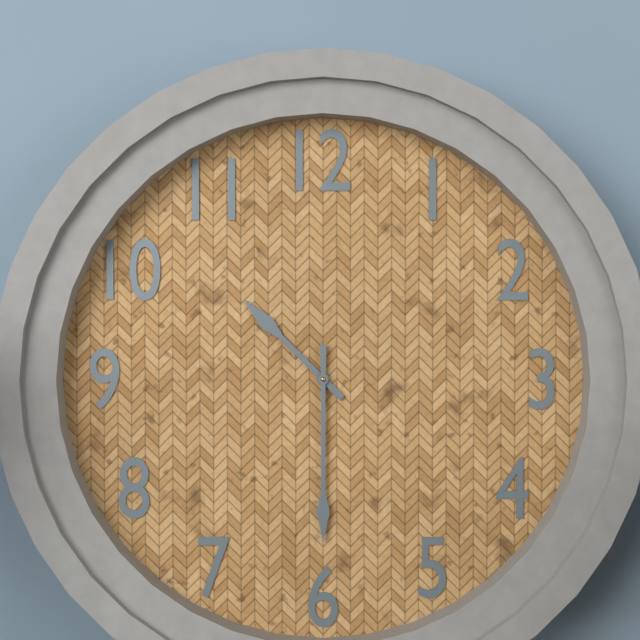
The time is h=10 m=30
